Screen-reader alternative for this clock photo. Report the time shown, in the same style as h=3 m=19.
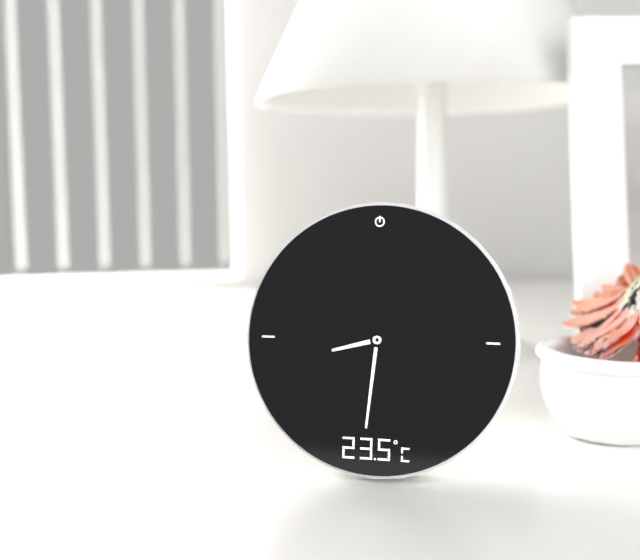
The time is h=8 m=31
